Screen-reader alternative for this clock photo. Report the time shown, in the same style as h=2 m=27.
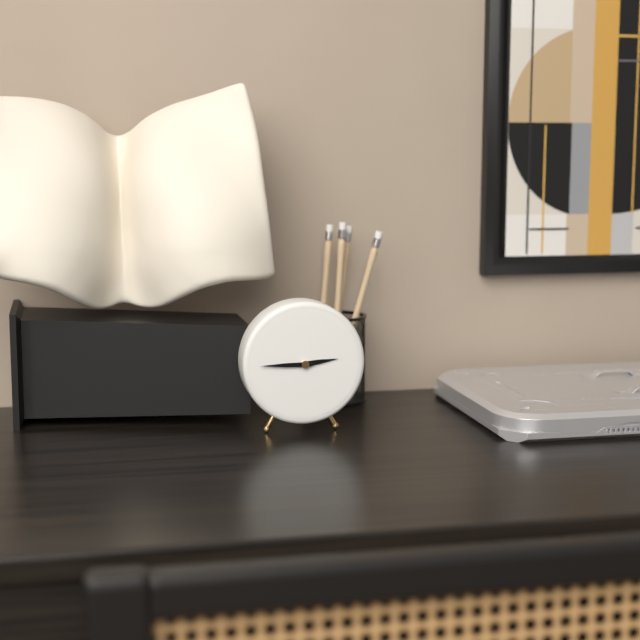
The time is h=2 m=45
